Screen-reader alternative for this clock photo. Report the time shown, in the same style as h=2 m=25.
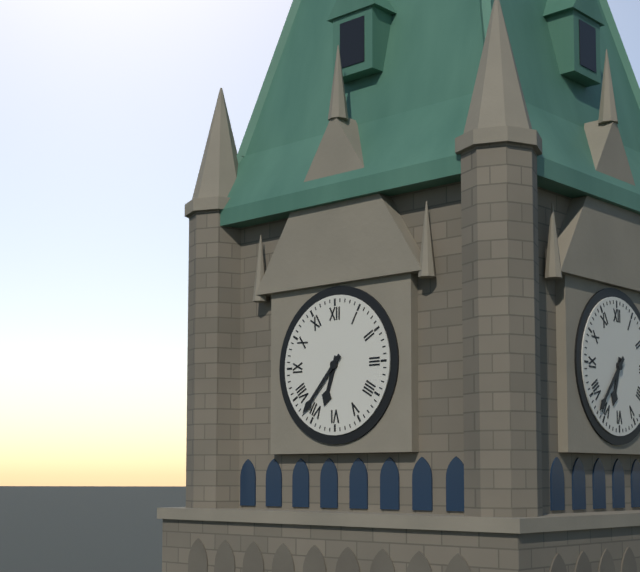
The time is h=6 m=37
